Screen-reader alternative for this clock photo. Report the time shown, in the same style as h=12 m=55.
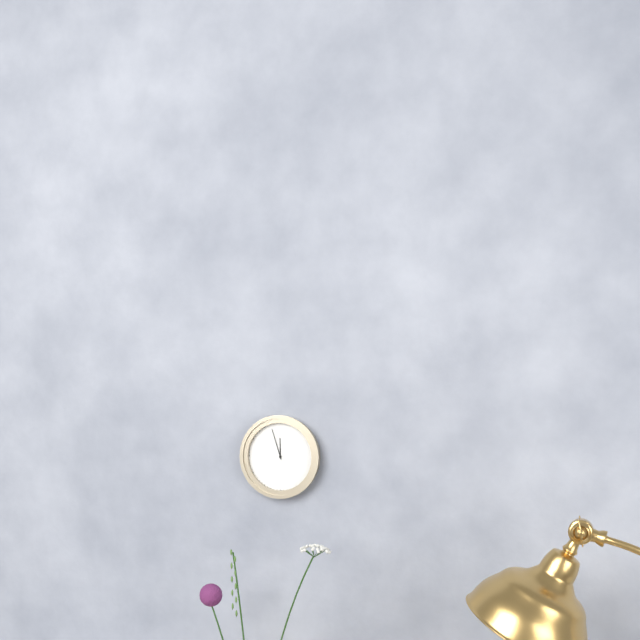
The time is h=11 m=57
